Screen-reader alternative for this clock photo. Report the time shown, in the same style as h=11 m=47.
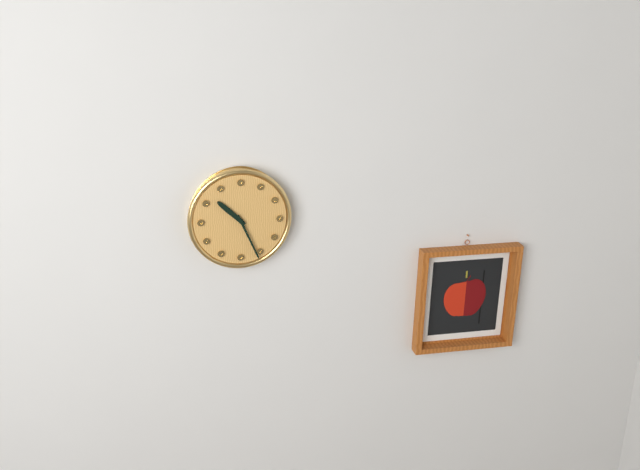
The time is h=10 m=26
